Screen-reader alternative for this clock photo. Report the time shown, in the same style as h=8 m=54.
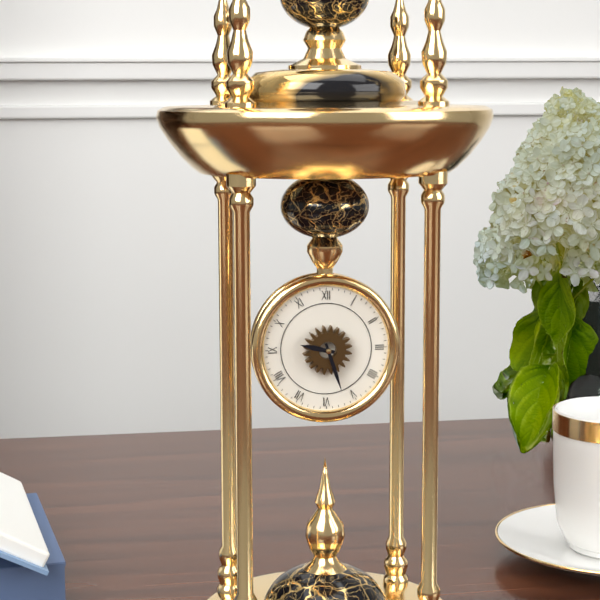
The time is h=9 m=27
